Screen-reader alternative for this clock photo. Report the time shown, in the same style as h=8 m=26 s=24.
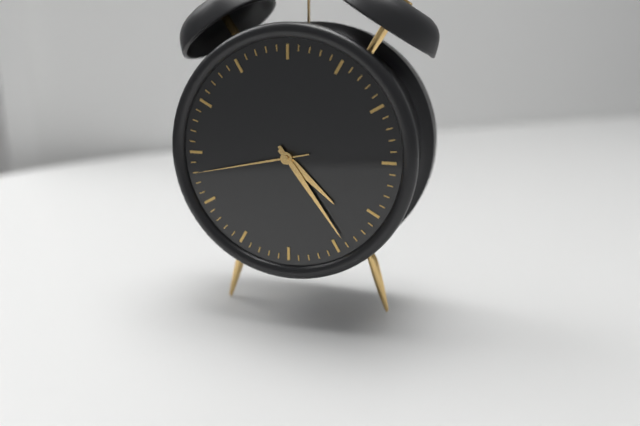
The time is h=4 m=24 s=43
